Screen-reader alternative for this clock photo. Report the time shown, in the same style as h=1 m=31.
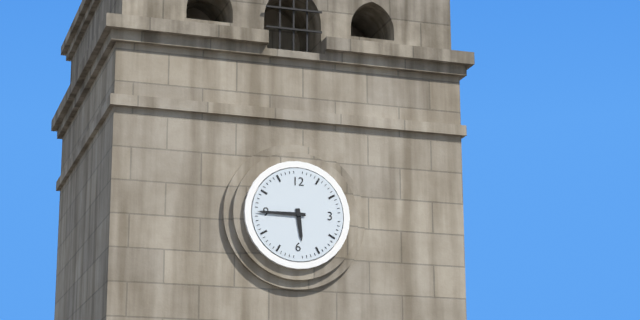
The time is h=5 m=45
